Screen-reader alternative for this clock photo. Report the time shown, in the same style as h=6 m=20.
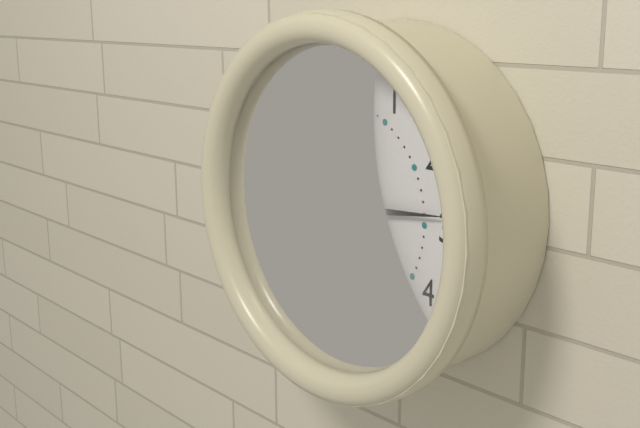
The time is h=5 m=14
